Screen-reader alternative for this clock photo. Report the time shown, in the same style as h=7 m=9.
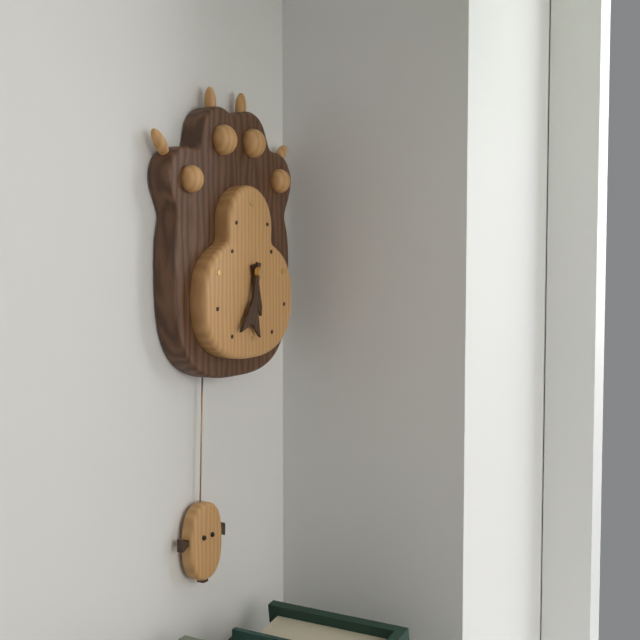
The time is h=5 m=32
